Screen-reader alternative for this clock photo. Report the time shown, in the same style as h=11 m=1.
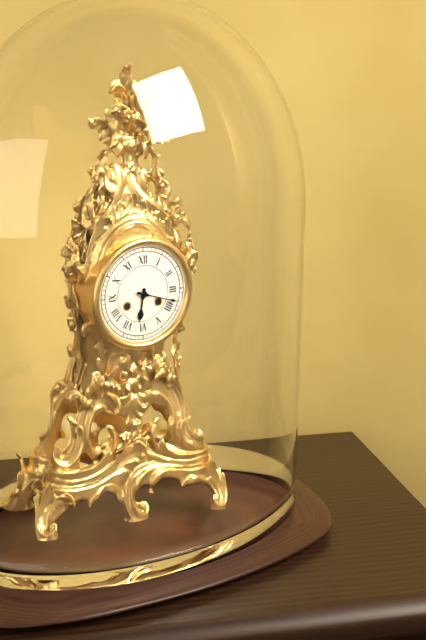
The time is h=6 m=18
